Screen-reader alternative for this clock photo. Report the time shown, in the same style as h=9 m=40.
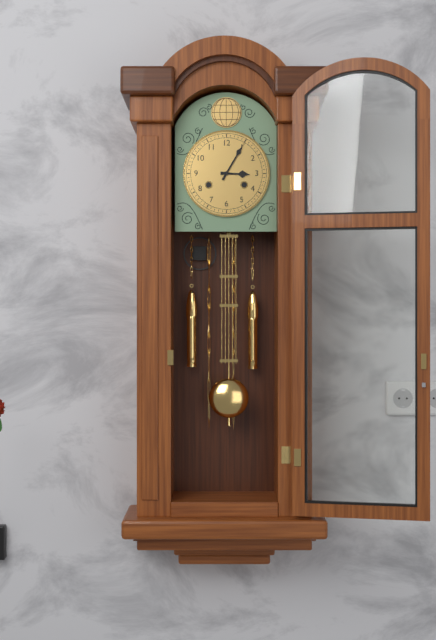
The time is h=3 m=5
